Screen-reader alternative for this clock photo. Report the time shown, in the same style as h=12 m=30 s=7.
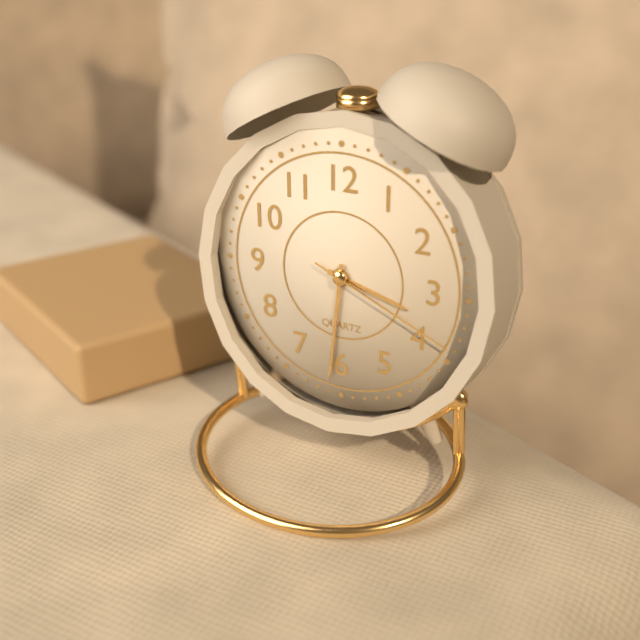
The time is h=3 m=31 s=19
